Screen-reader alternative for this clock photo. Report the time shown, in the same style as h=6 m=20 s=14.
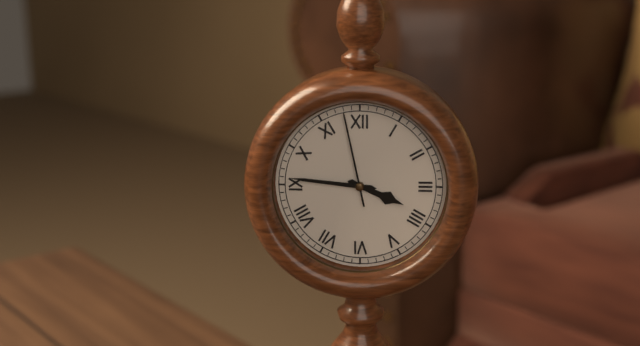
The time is h=3 m=46 s=58
